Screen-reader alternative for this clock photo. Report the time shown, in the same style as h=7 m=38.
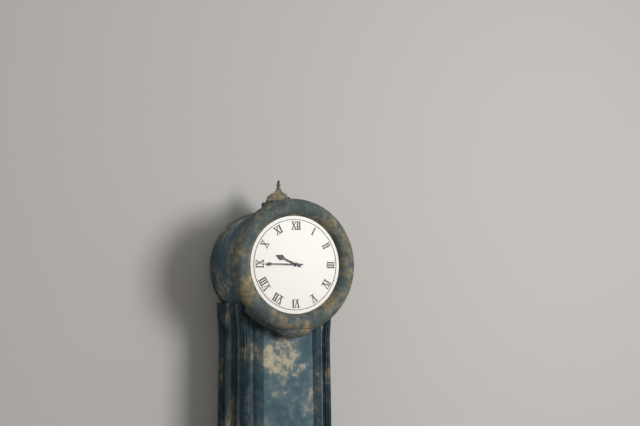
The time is h=9 m=45
